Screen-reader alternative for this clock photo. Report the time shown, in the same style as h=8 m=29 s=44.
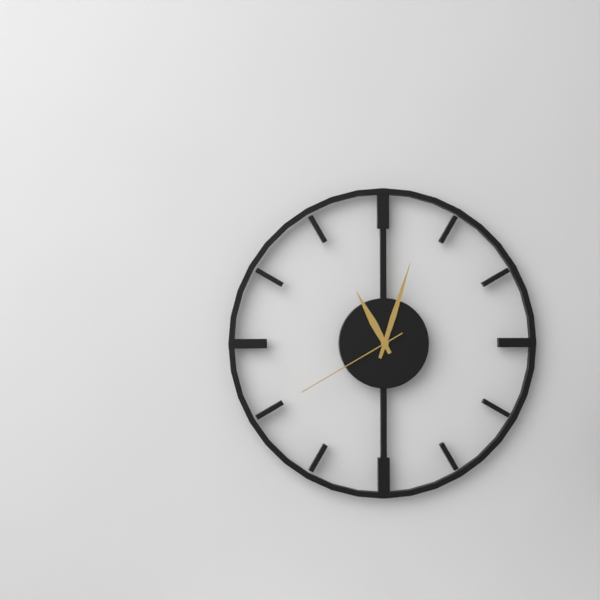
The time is h=11 m=3 s=40
